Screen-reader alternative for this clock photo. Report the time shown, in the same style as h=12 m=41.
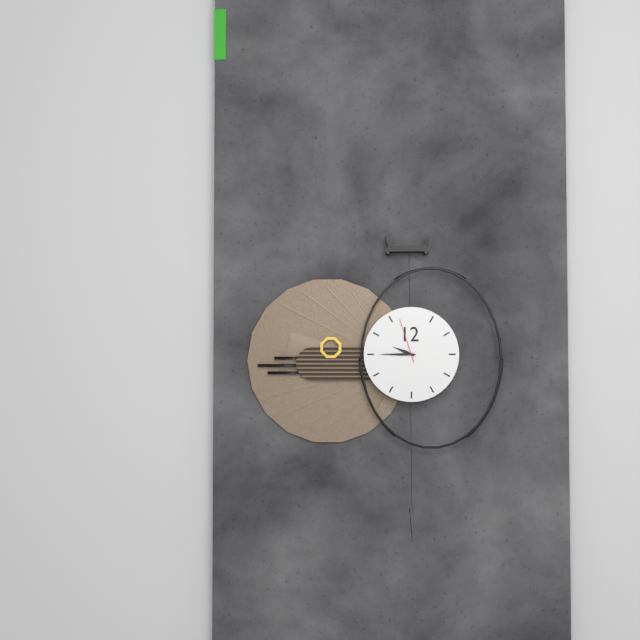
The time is h=9 m=45
